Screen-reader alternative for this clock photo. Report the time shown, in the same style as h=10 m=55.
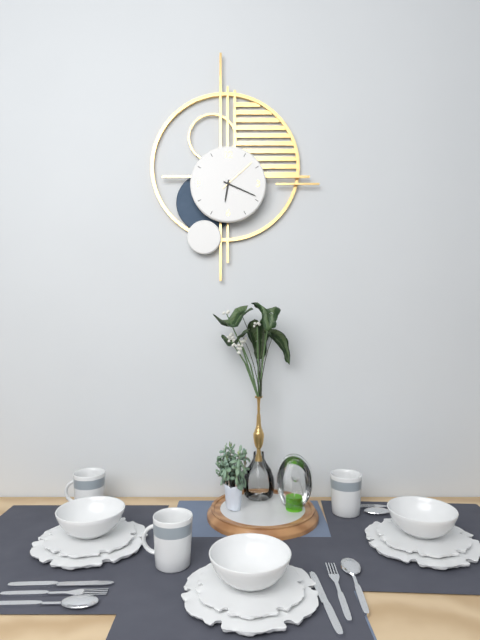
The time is h=6 m=19
